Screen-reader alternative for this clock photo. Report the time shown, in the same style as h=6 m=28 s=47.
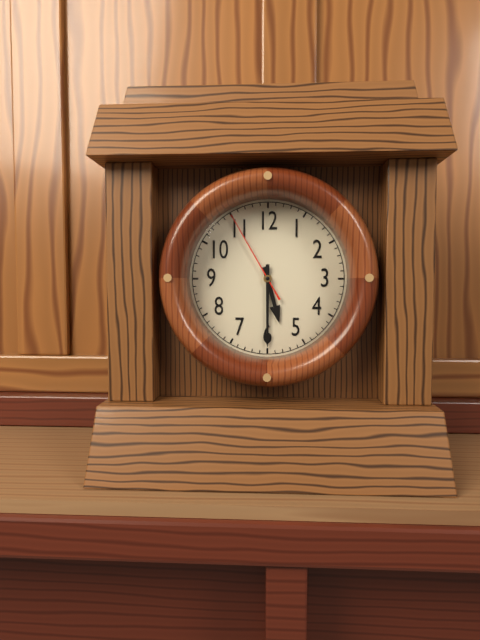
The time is h=5 m=30 s=55
